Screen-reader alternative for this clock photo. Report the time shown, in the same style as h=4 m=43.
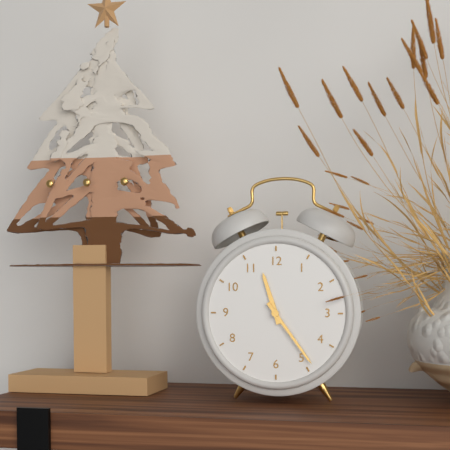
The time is h=11 m=24
